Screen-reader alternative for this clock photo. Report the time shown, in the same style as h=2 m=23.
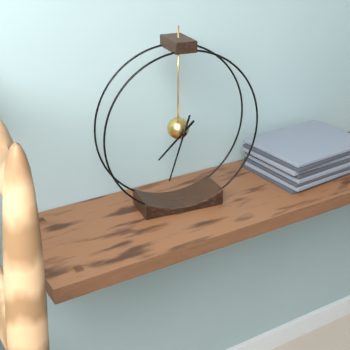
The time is h=7 m=33
